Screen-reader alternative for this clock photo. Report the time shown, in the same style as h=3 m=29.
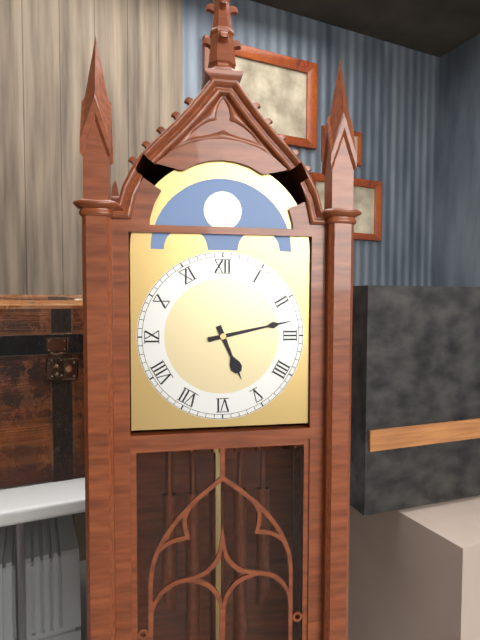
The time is h=5 m=13
